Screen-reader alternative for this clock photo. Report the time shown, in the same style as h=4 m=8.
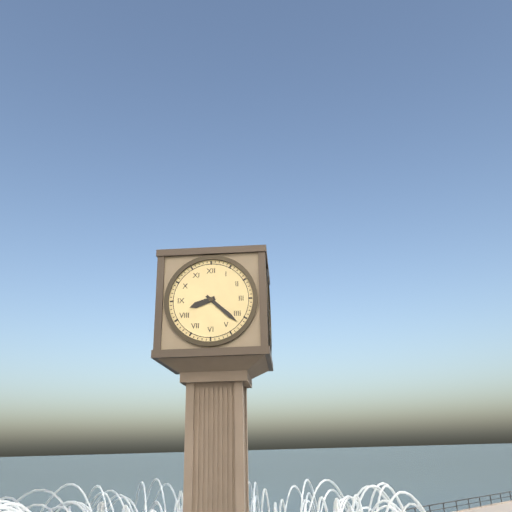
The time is h=8 m=22
